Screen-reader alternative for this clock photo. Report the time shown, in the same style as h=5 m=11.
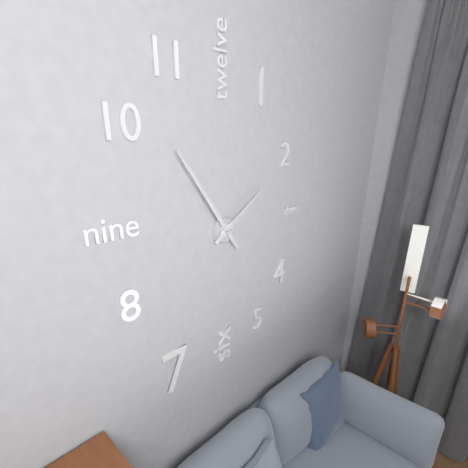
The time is h=1 m=54
